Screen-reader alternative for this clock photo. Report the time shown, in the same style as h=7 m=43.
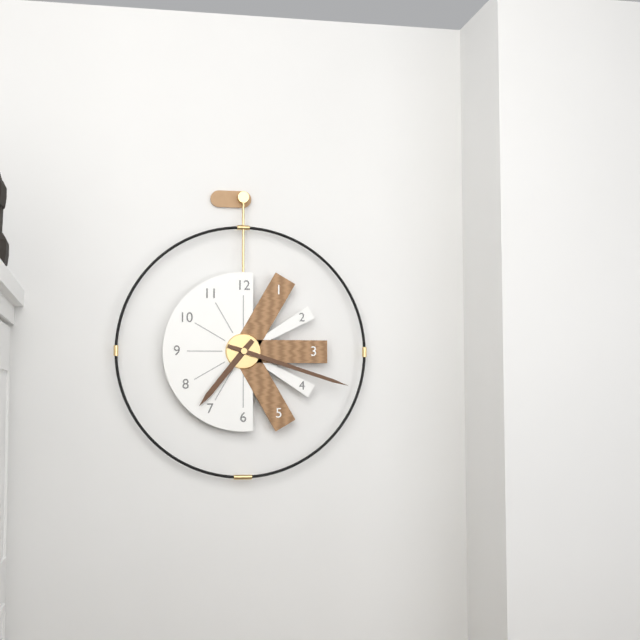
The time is h=7 m=18
